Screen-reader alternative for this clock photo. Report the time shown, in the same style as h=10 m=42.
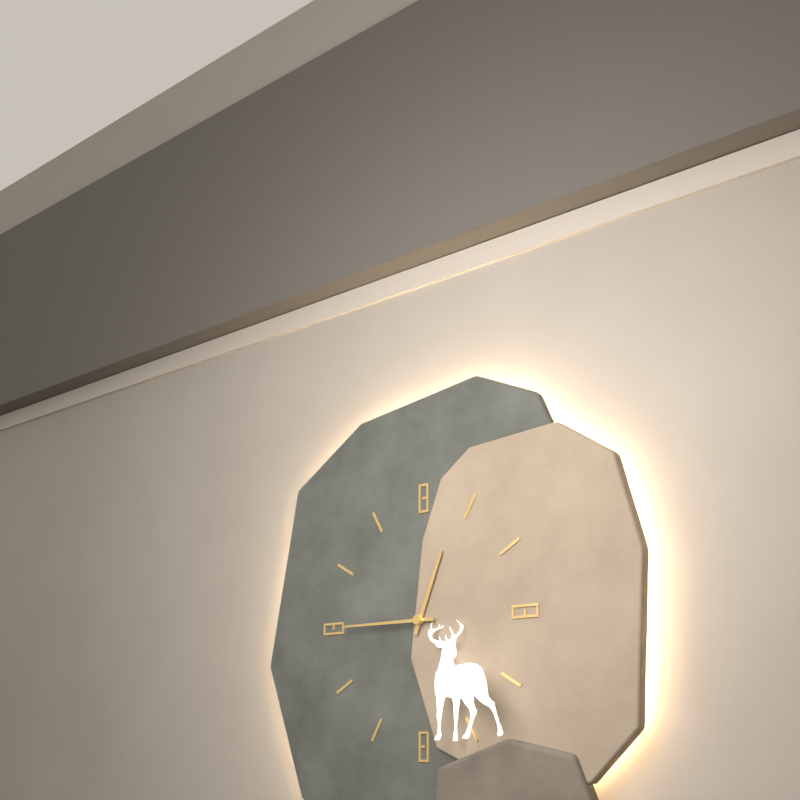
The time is h=12 m=45
